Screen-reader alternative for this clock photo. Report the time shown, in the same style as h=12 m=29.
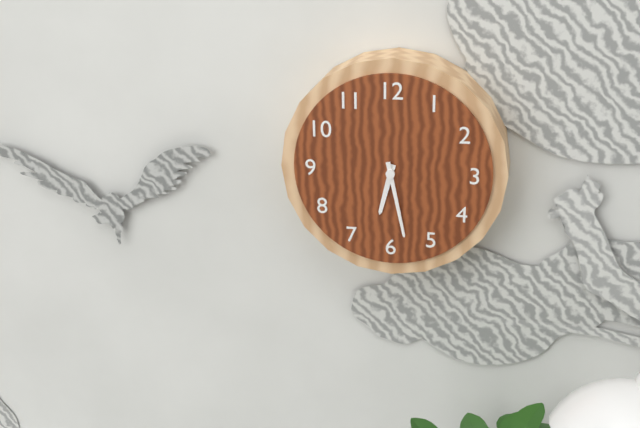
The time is h=6 m=28
